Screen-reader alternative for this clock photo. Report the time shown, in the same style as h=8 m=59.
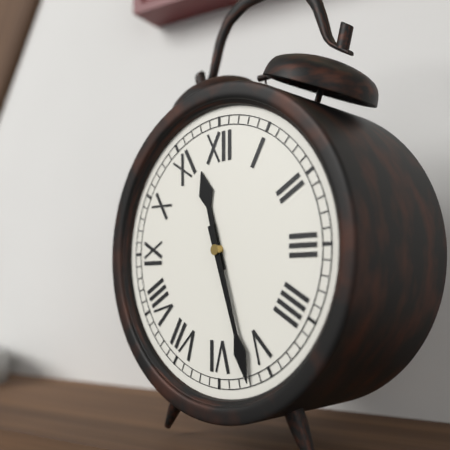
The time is h=11 m=27
